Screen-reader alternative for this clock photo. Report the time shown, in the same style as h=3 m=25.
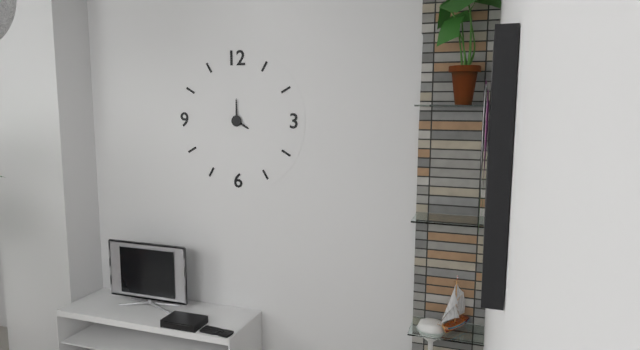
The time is h=4 m=0
